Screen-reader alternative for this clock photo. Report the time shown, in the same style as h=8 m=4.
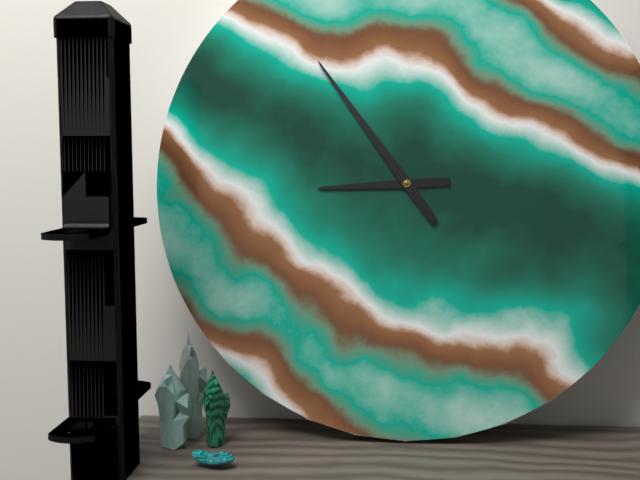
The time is h=8 m=54
